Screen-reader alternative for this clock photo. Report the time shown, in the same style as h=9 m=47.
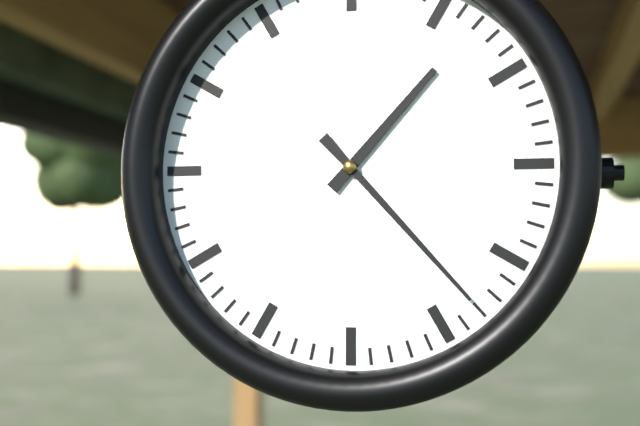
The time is h=1 m=23
